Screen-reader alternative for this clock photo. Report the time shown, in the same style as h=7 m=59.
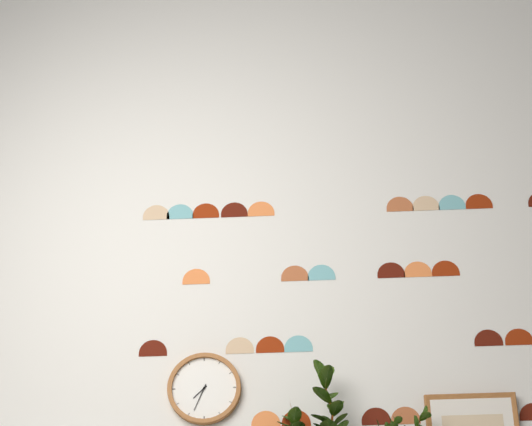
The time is h=7 m=34
